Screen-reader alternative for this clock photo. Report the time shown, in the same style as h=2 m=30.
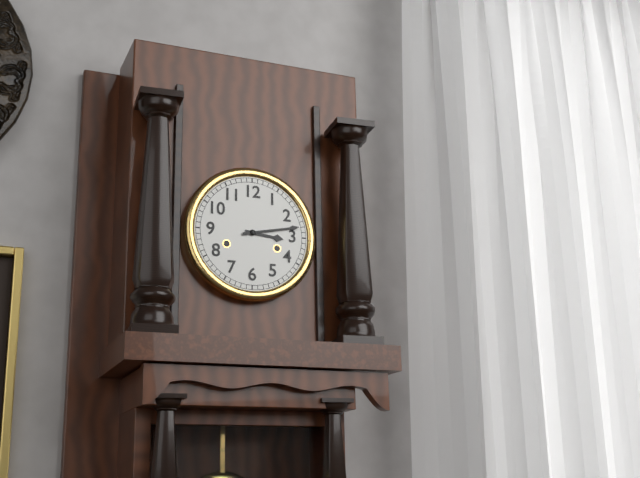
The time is h=3 m=13
